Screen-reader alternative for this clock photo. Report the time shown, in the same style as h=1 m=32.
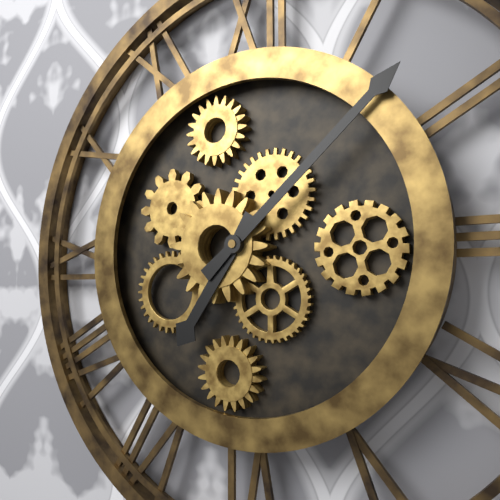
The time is h=7 m=8
